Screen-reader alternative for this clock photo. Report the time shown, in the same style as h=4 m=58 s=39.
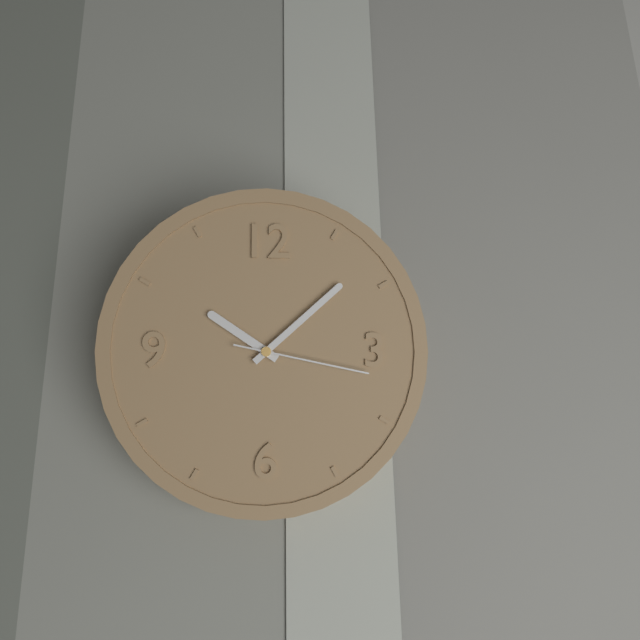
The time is h=10 m=8 s=17
